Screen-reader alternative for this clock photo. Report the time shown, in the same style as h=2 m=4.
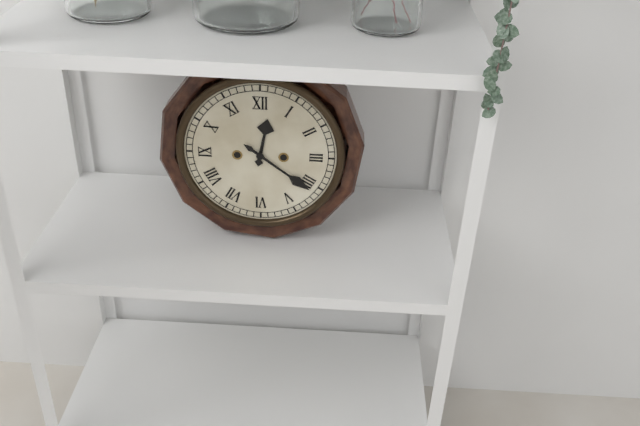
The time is h=12 m=21
